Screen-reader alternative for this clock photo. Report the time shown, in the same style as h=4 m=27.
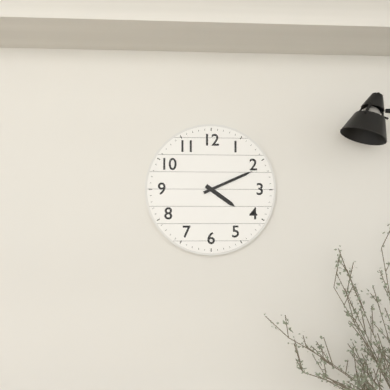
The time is h=4 m=11
